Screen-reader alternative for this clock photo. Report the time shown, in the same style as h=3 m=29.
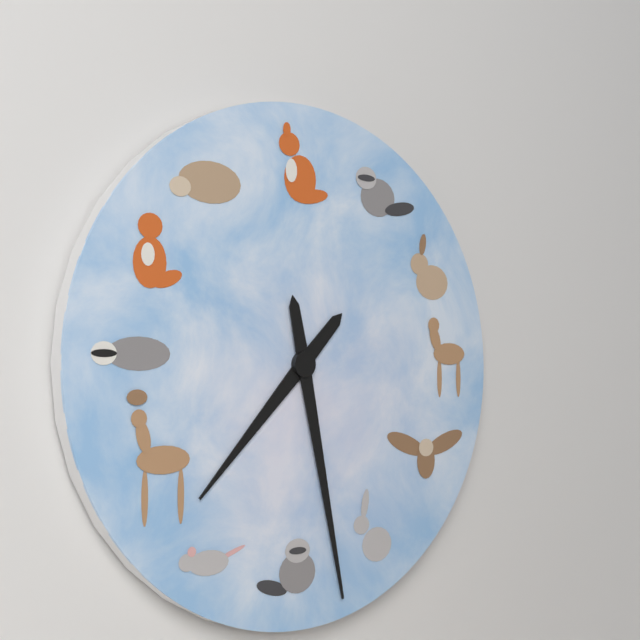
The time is h=7 m=28
